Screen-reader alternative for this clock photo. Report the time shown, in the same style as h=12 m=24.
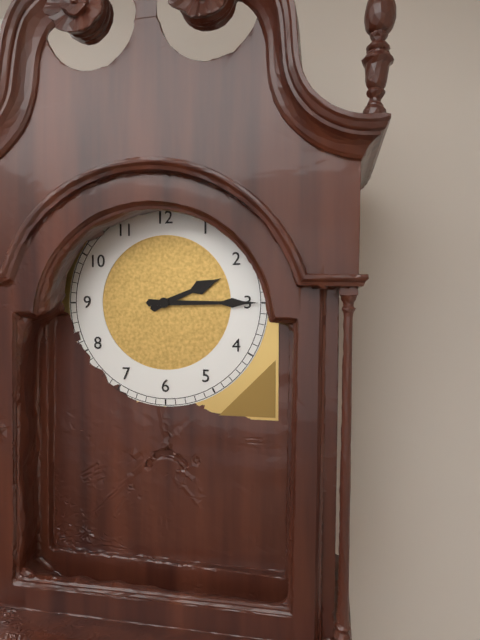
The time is h=2 m=15
